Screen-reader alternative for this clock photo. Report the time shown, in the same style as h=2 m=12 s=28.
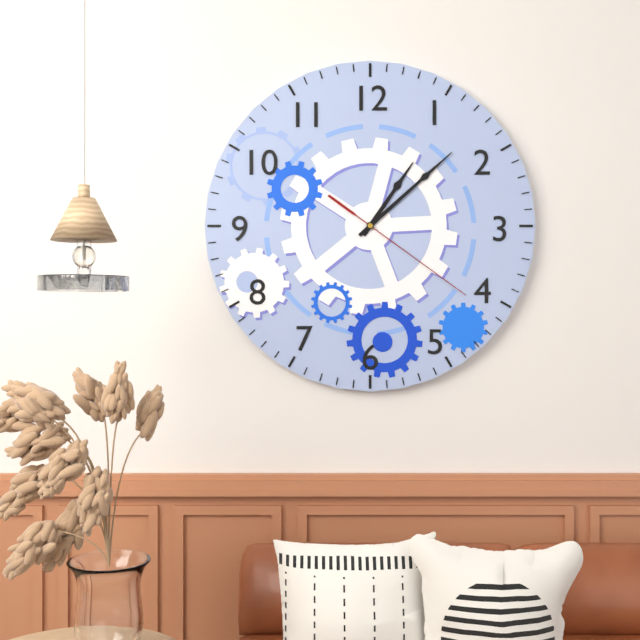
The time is h=1 m=8 s=21
